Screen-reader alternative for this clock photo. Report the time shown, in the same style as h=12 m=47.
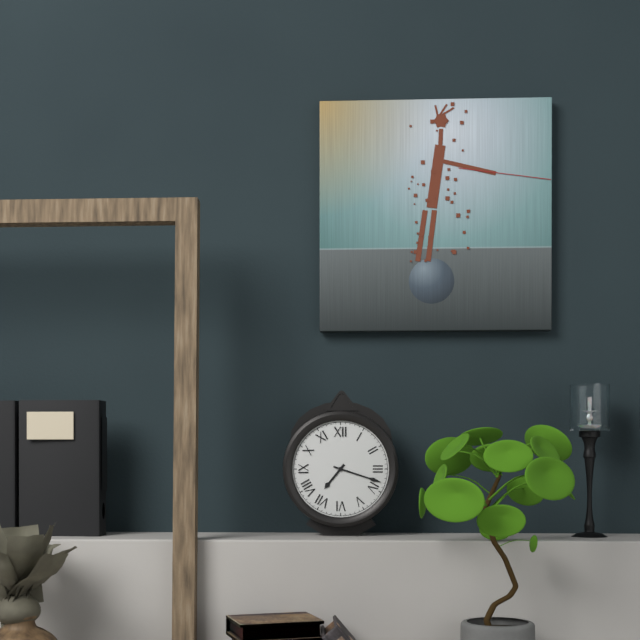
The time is h=7 m=18
